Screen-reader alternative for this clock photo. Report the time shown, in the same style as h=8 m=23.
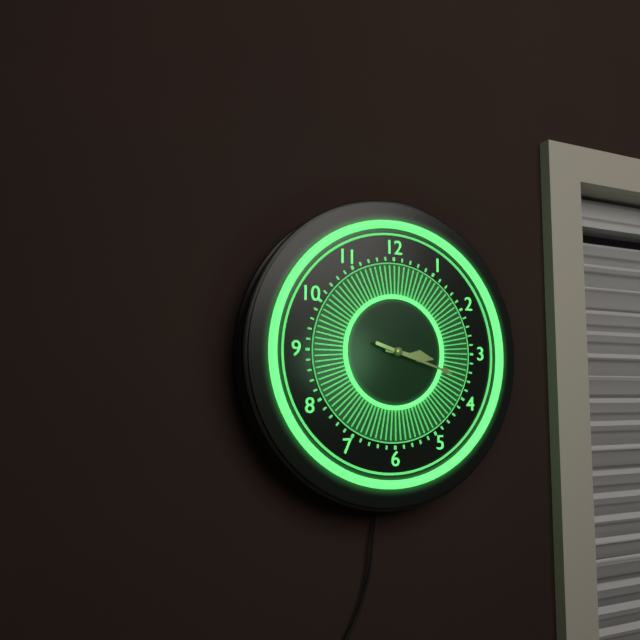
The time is h=3 m=18
